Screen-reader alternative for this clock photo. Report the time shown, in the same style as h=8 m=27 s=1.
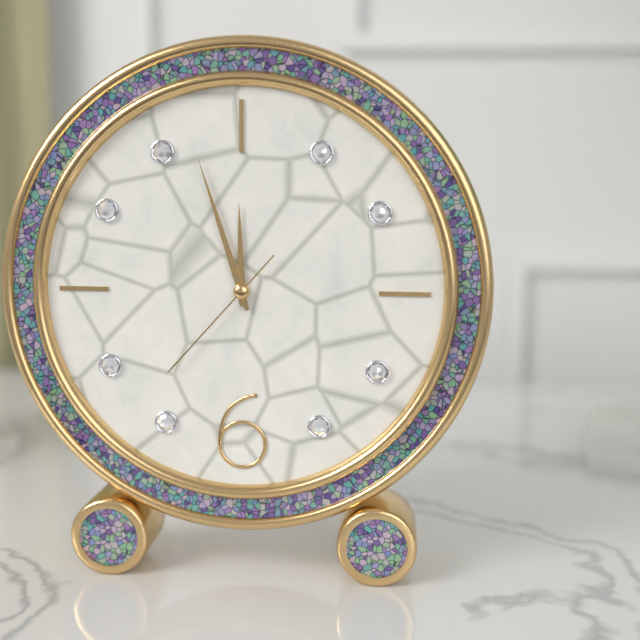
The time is h=11 m=57 s=37
